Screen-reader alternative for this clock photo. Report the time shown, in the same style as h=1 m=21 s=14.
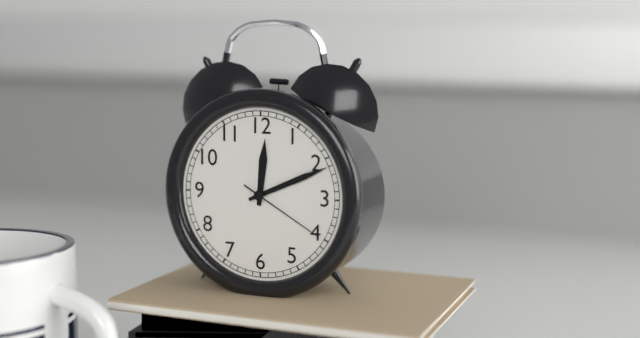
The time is h=12 m=11 s=20
